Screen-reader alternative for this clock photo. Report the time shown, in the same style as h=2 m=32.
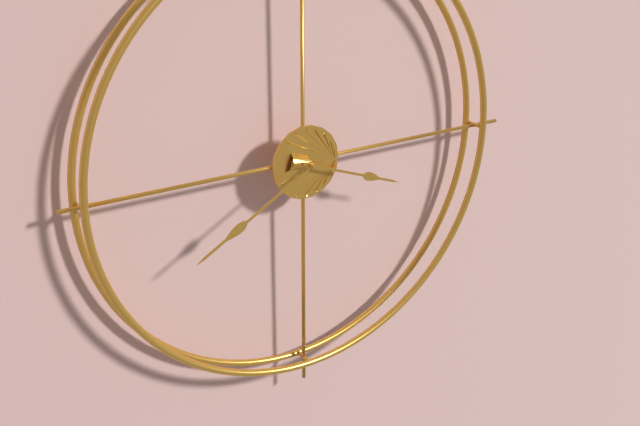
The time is h=3 m=40
